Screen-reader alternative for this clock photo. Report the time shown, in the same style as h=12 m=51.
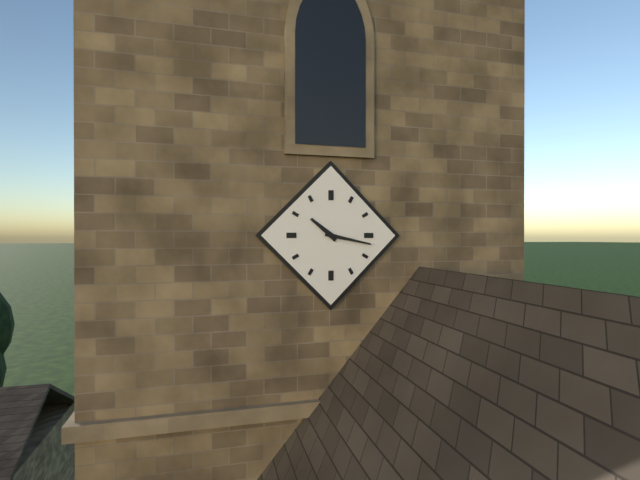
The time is h=10 m=17
